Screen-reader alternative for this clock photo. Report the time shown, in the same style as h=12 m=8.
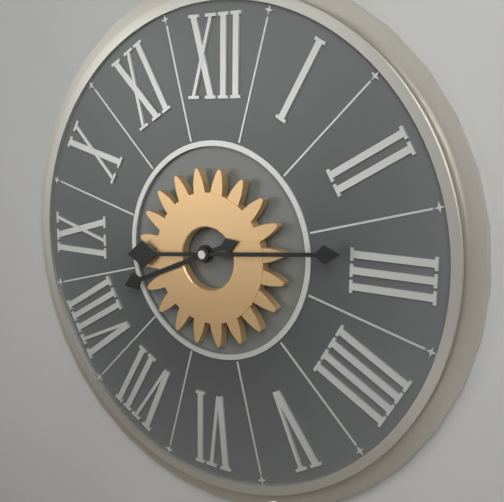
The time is h=8 m=14
